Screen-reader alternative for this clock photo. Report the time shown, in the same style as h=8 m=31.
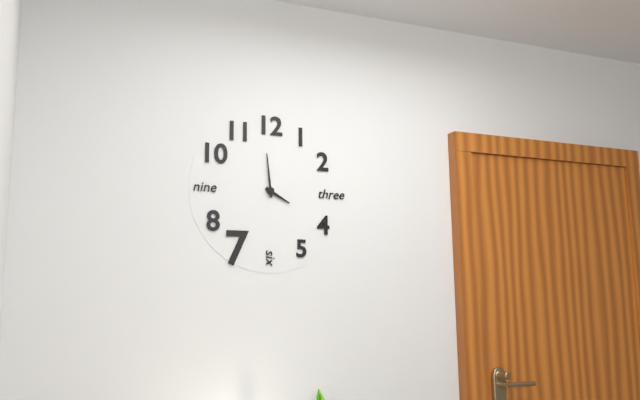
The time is h=3 m=59
